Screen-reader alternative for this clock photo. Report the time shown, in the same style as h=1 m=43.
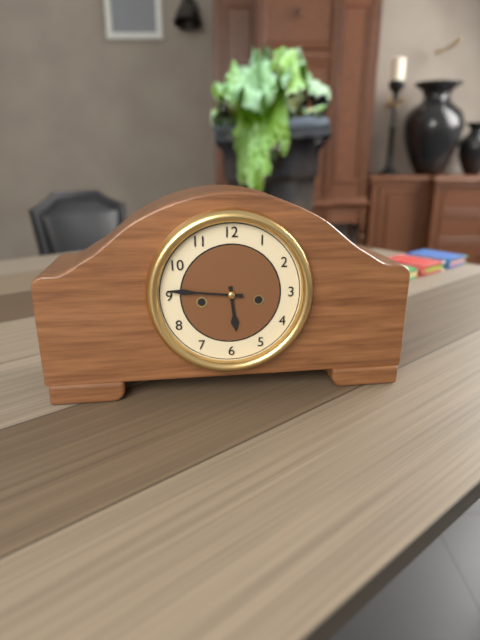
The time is h=5 m=46
